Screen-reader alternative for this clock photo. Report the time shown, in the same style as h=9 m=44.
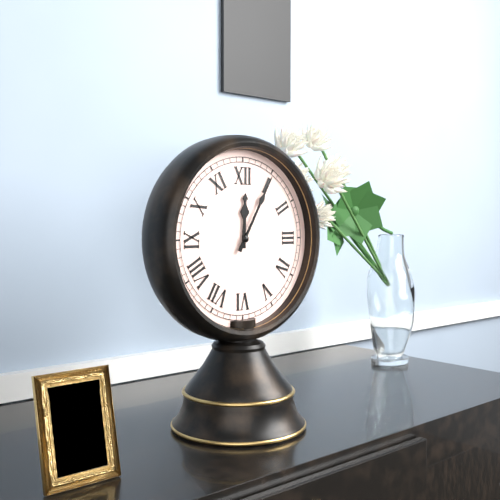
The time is h=12 m=5
